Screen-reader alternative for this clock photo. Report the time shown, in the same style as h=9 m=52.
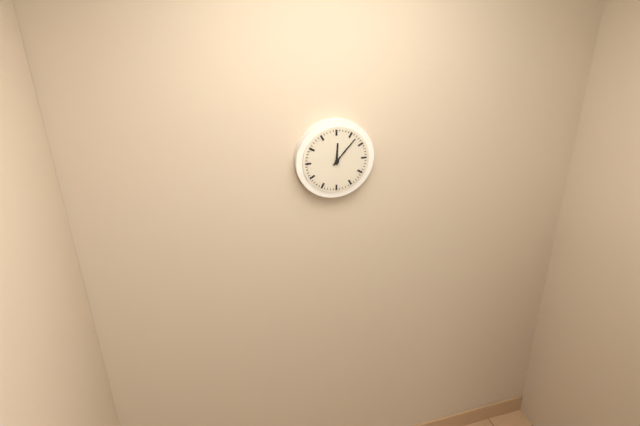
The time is h=12 m=7
